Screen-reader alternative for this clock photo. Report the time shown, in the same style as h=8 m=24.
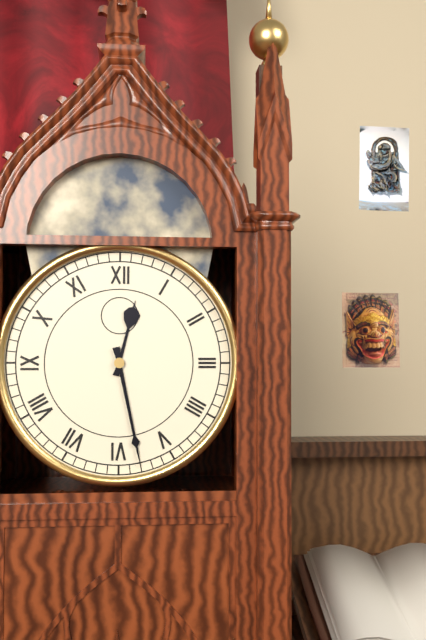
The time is h=12 m=28
